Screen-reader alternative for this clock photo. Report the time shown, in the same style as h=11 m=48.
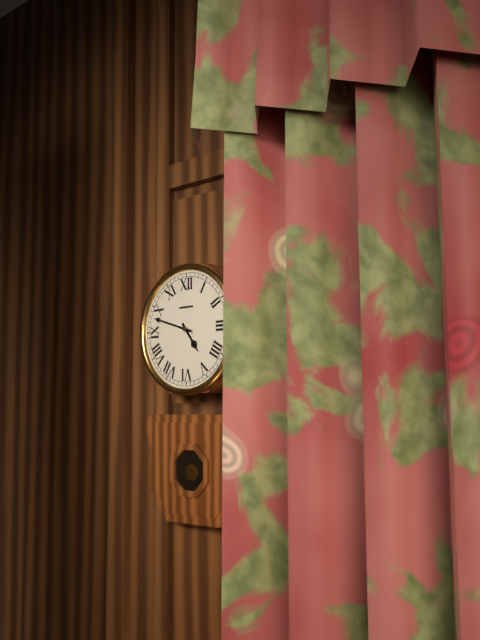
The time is h=4 m=48
